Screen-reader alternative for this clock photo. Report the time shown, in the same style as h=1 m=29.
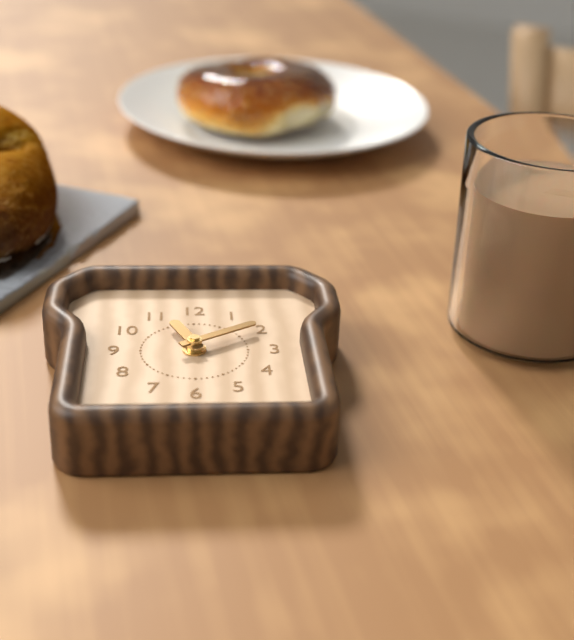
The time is h=11 m=10
